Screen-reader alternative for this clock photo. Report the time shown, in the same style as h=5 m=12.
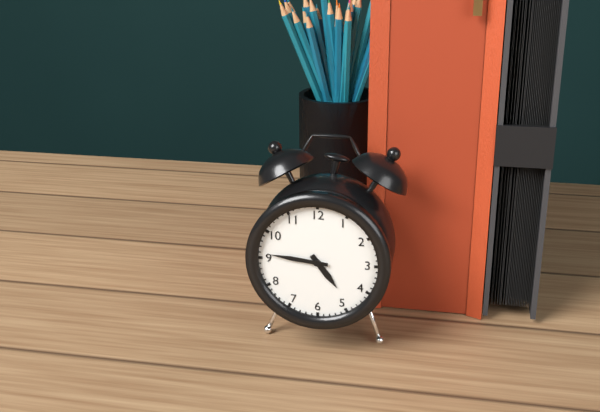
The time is h=4 m=46
